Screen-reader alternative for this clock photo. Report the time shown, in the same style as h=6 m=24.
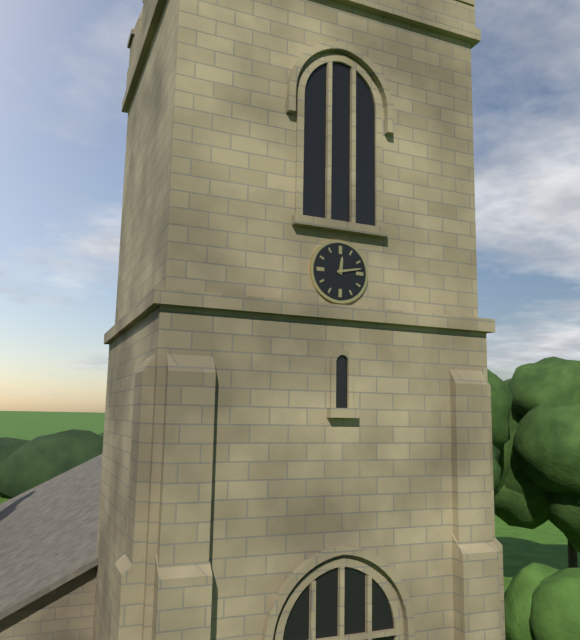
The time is h=12 m=13
